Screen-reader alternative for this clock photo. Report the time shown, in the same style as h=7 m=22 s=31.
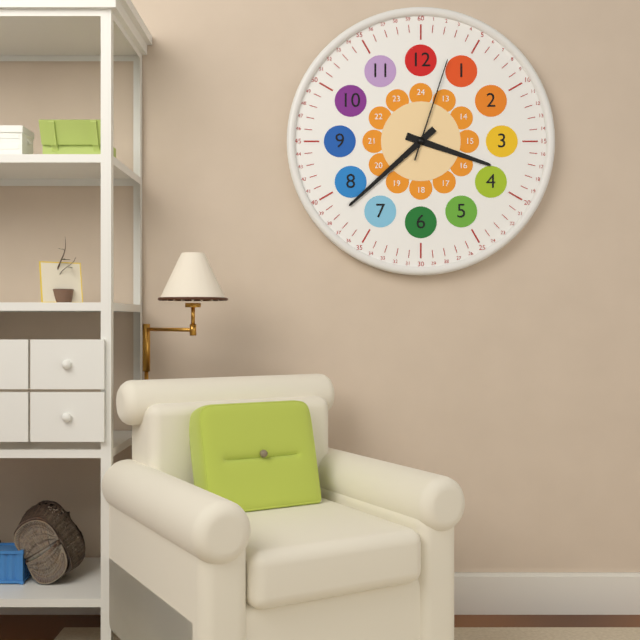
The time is h=3 m=38 s=3
